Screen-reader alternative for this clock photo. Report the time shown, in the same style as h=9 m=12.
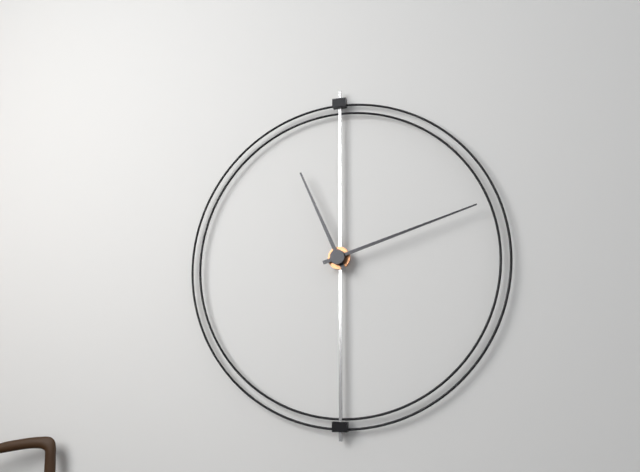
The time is h=11 m=12
